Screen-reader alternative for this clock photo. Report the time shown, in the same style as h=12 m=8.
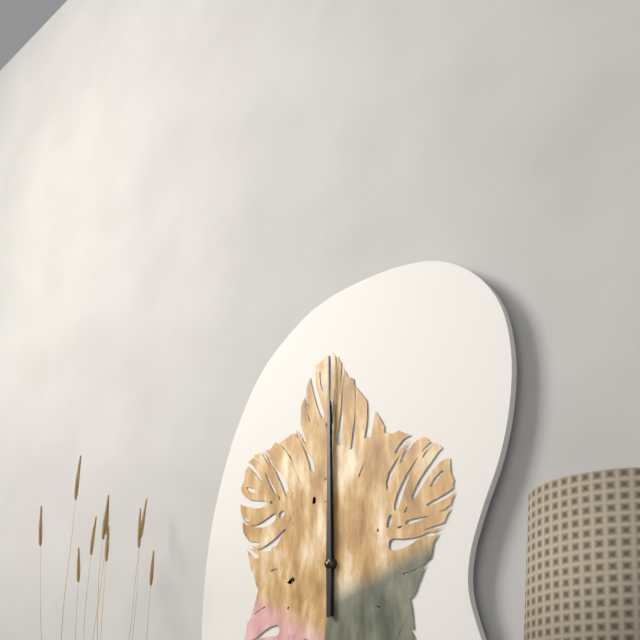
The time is h=12 m=0
